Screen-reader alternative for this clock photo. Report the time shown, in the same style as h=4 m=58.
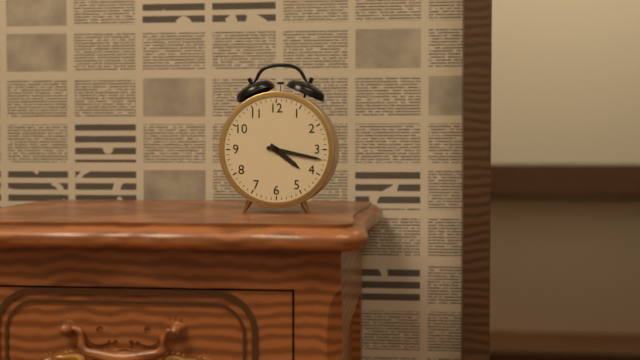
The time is h=4 m=17
